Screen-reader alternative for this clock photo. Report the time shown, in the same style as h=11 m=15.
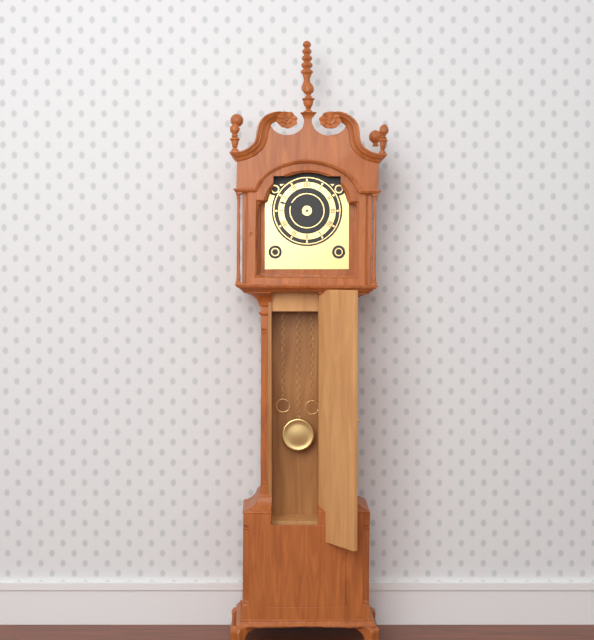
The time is h=9 m=48
